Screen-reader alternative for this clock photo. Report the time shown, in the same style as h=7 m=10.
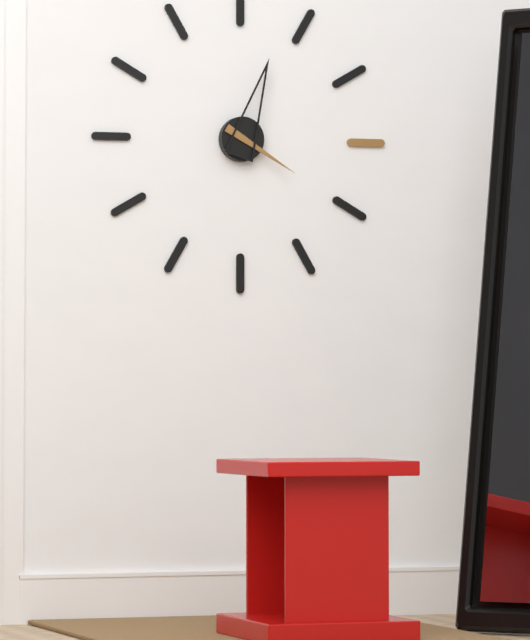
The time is h=4 m=3
